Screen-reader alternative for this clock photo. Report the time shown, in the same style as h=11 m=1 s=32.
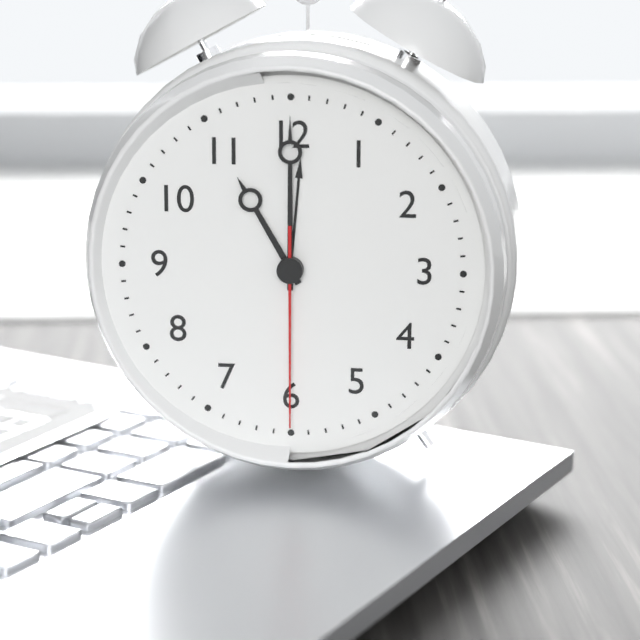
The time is h=11 m=0 s=30
